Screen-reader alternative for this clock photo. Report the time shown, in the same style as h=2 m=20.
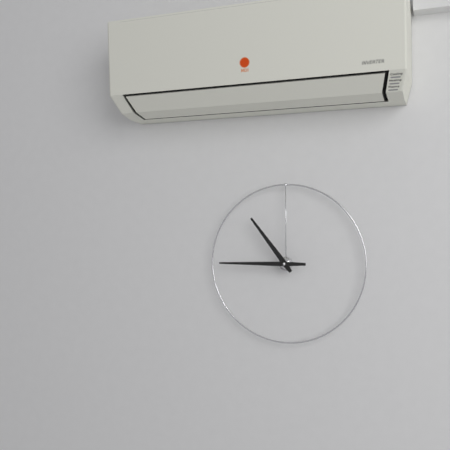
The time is h=10 m=45
